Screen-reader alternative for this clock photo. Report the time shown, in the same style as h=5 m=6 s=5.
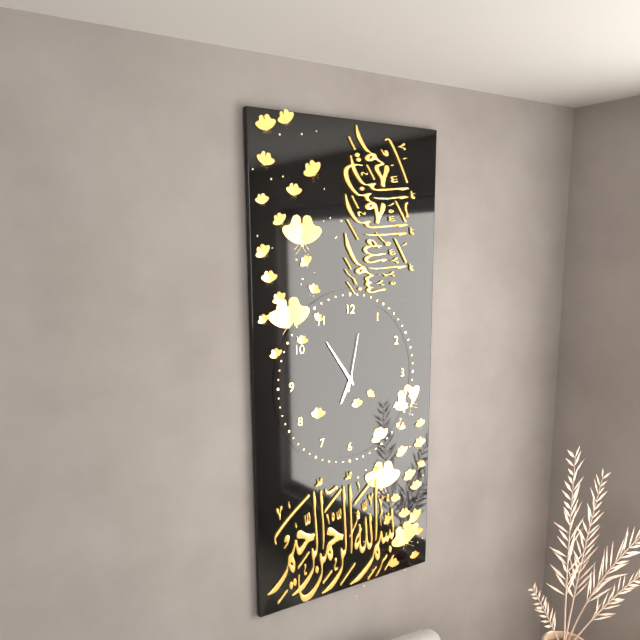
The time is h=6 m=54 s=2
